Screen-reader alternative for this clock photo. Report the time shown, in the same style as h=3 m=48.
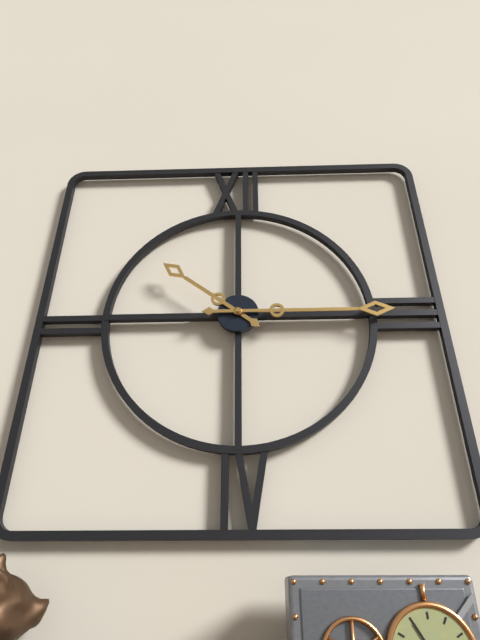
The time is h=10 m=15
